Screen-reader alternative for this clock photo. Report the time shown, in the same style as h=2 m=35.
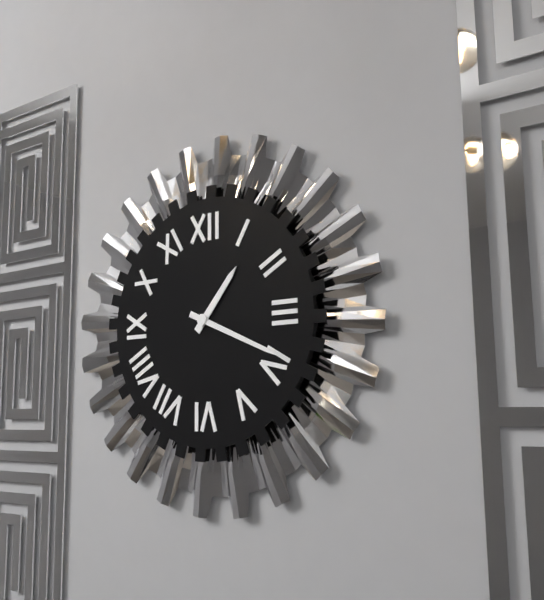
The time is h=1 m=19
